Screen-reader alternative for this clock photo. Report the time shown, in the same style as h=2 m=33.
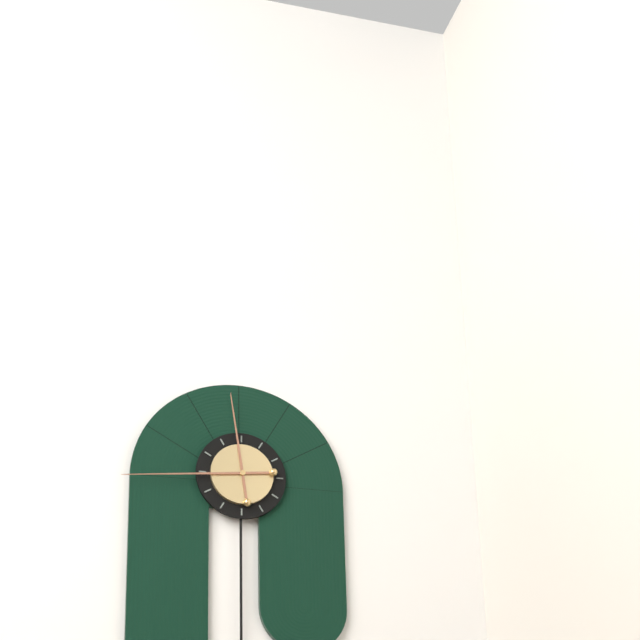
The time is h=11 m=44
